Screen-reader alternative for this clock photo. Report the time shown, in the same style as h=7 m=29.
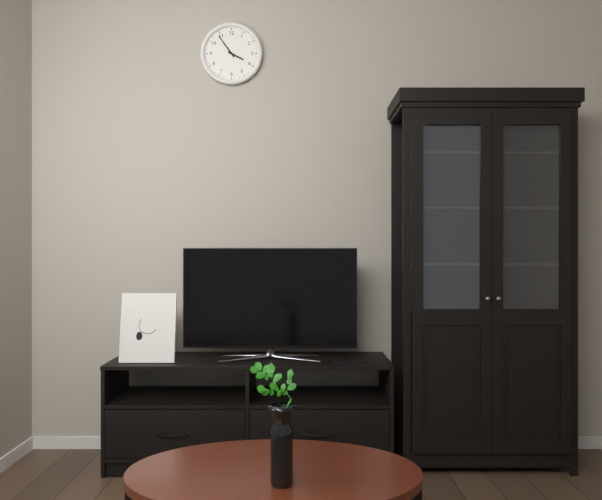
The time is h=3 m=54
